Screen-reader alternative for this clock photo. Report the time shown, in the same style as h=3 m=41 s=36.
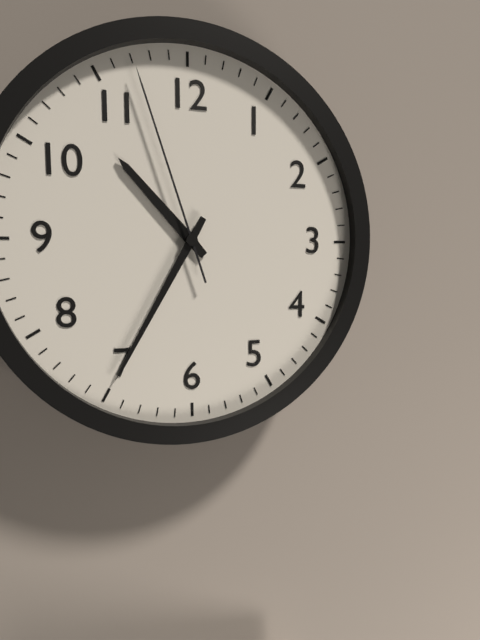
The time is h=10 m=35 s=57
